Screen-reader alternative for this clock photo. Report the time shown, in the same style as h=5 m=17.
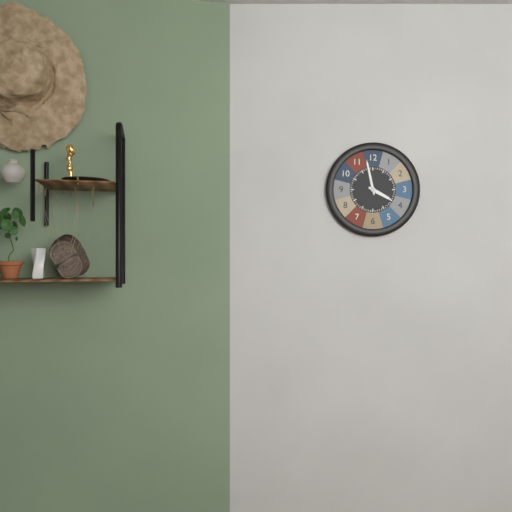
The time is h=3 m=58
